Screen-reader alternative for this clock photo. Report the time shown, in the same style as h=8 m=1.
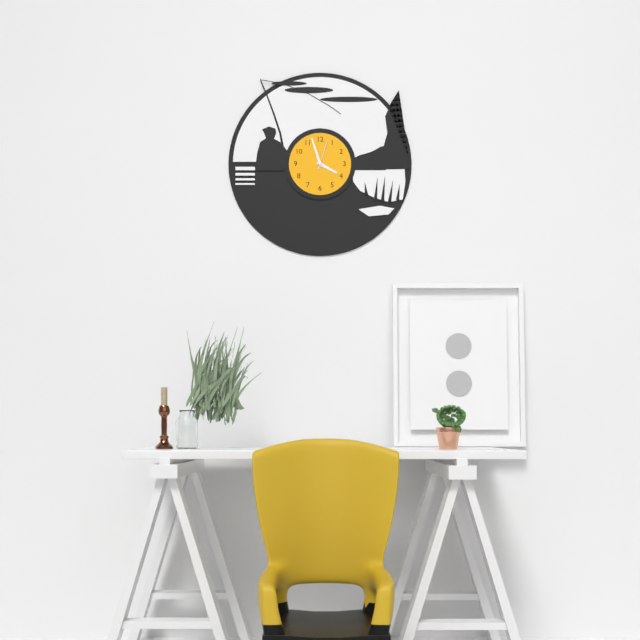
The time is h=3 m=57
